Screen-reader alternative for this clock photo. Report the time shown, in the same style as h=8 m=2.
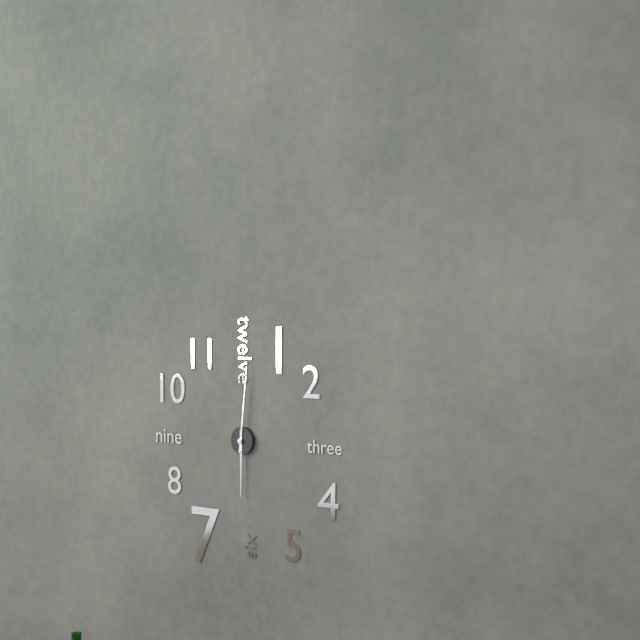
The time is h=6 m=1
